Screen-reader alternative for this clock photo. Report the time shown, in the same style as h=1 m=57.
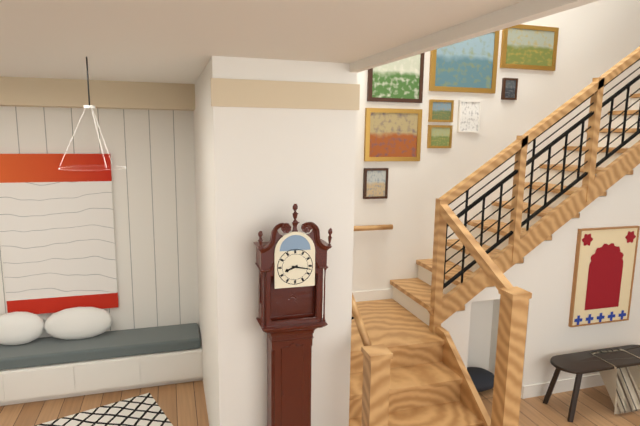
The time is h=8 m=17
